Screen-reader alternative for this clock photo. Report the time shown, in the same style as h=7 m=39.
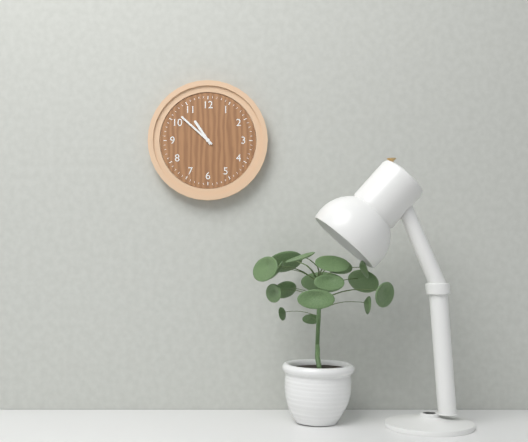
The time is h=10 m=52
